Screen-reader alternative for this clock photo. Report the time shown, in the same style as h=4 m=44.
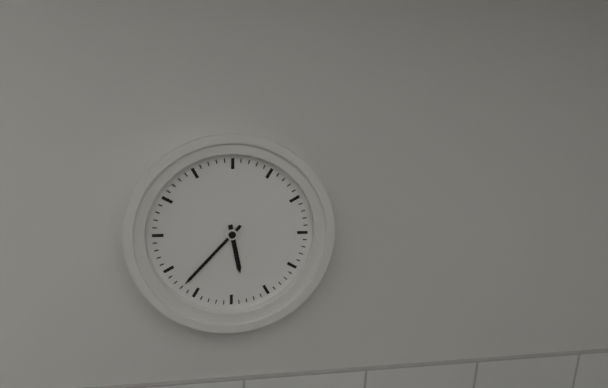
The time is h=5 m=37
